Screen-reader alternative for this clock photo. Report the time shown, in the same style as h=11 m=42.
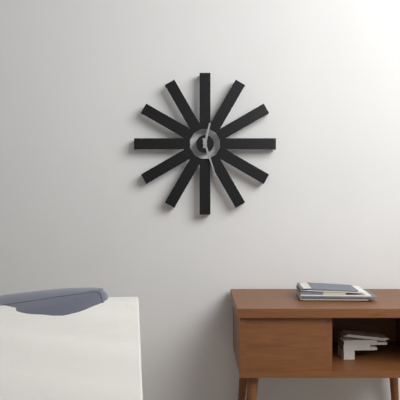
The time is h=12 m=27
